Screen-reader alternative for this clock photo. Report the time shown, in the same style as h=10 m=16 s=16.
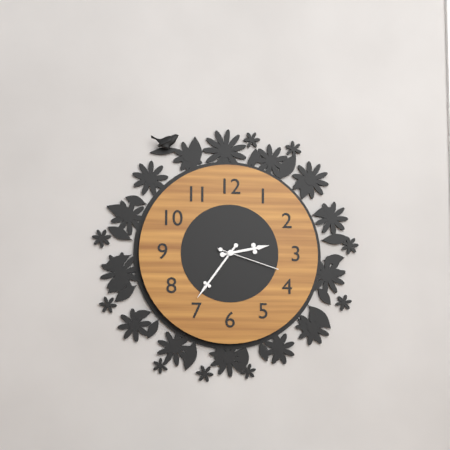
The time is h=2 m=36 s=18
